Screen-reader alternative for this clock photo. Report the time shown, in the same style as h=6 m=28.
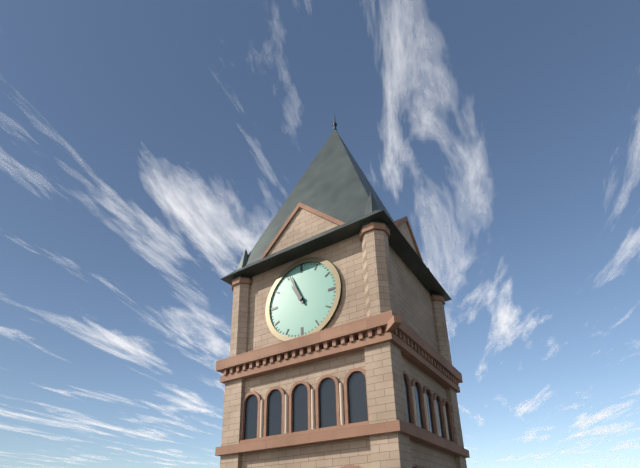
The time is h=10 m=56
